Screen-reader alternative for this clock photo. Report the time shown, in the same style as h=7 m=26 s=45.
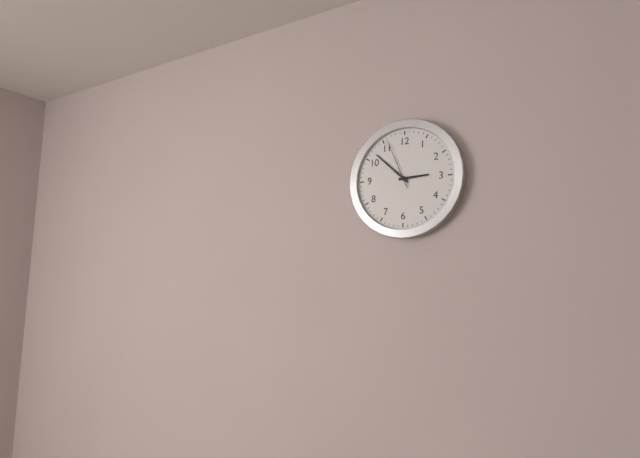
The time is h=2 m=52 s=56
